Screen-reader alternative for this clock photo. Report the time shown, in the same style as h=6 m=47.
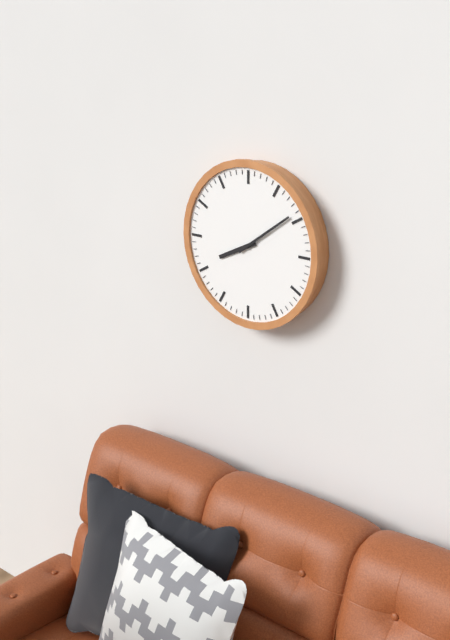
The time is h=8 m=9
